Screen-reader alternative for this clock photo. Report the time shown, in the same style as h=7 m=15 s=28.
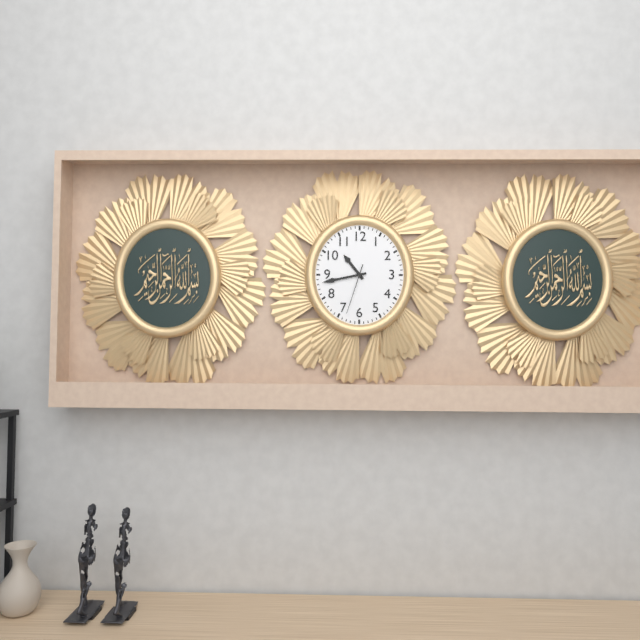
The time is h=10 m=43 s=33
